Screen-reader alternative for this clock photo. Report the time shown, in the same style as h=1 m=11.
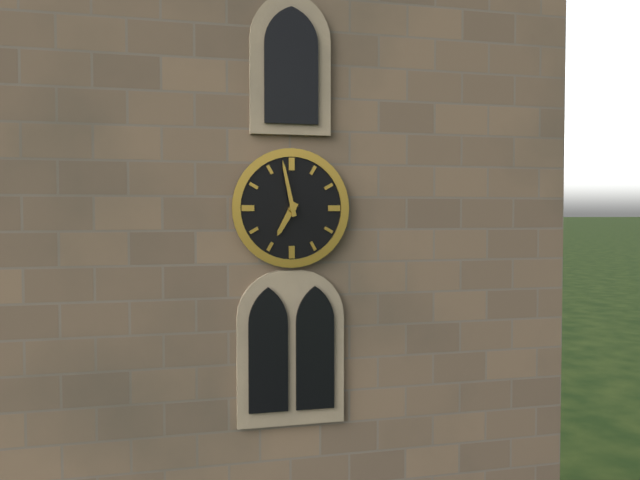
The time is h=6 m=58
